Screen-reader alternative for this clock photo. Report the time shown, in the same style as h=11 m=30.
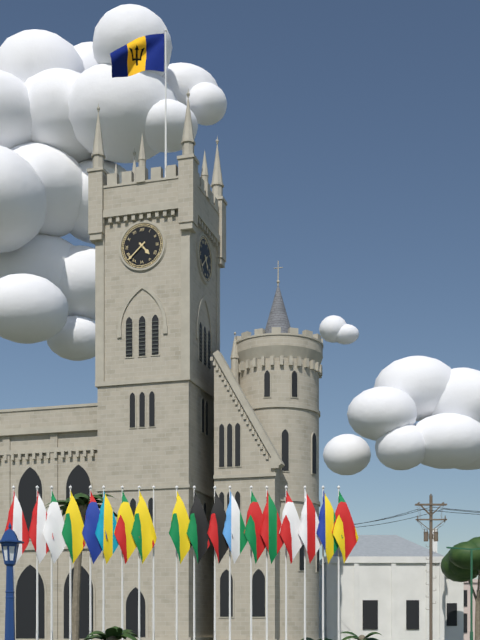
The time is h=4 m=38
